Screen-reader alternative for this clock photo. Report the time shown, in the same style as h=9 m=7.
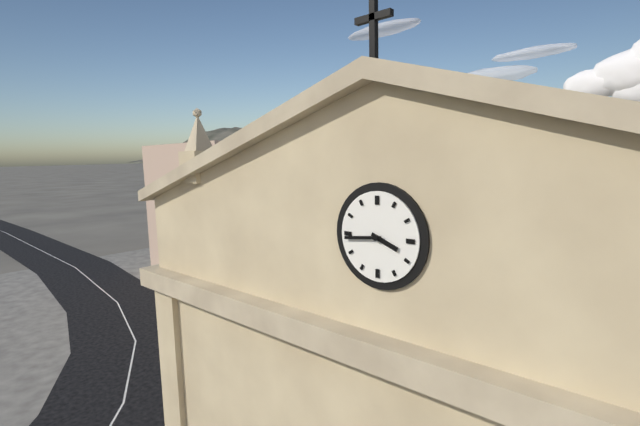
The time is h=3 m=44
